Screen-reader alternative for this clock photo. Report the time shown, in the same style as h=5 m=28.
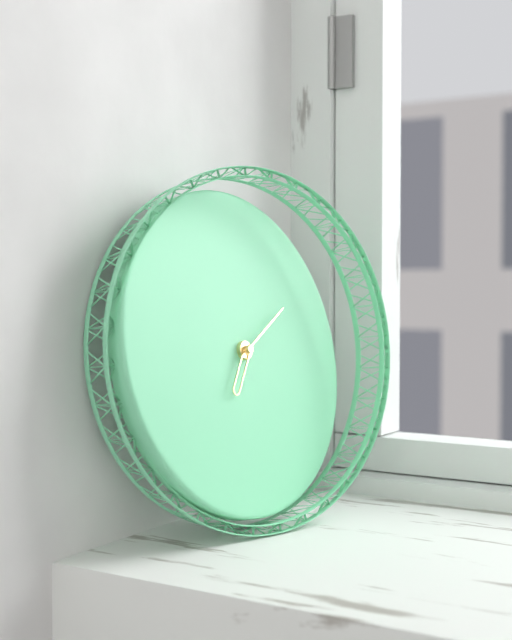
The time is h=7 m=10
